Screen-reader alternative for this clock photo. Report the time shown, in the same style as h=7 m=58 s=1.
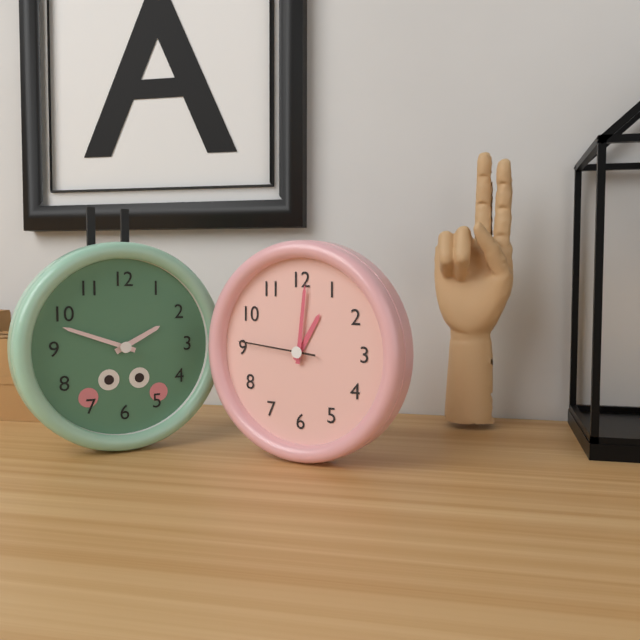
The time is h=1 m=1 s=46
